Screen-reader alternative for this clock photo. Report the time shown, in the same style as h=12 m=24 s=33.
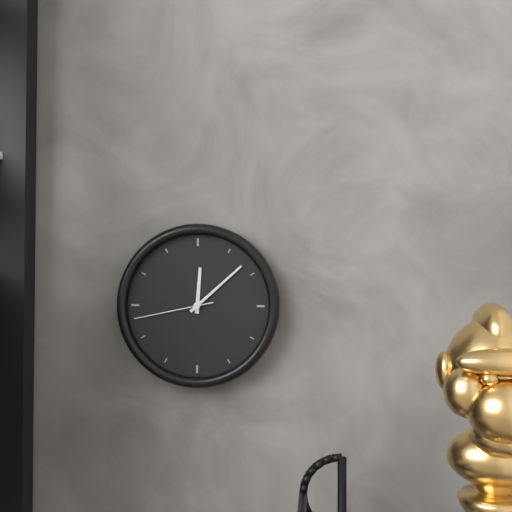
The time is h=12 m=8 s=43
